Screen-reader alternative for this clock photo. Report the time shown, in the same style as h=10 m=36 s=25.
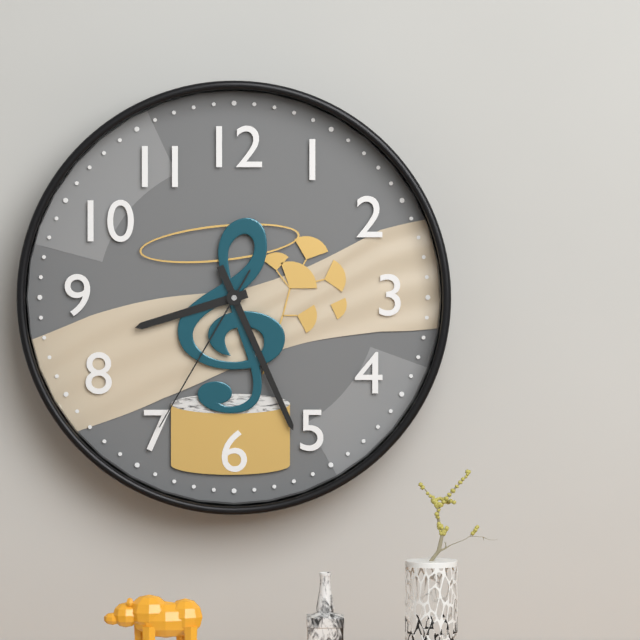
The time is h=8 m=26 s=35
